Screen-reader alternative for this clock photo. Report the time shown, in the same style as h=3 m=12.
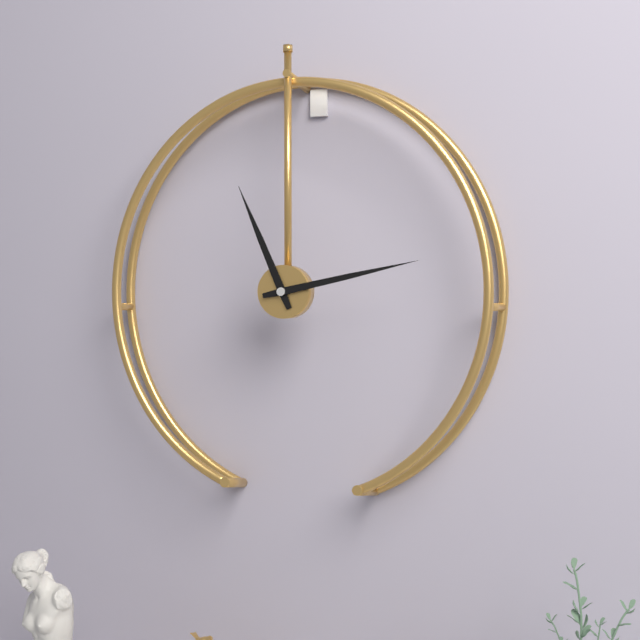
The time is h=11 m=13
